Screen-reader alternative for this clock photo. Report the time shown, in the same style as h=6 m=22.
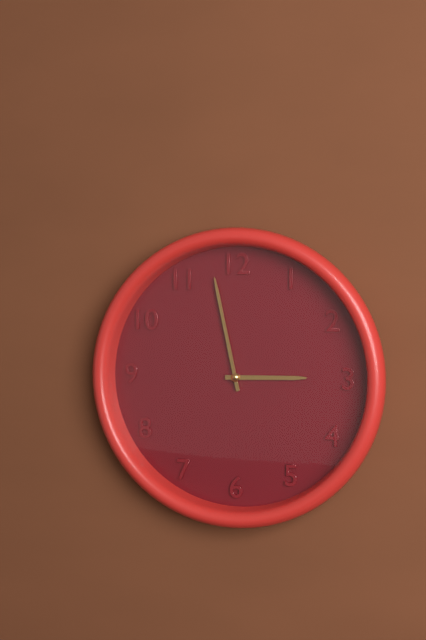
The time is h=2 m=58
